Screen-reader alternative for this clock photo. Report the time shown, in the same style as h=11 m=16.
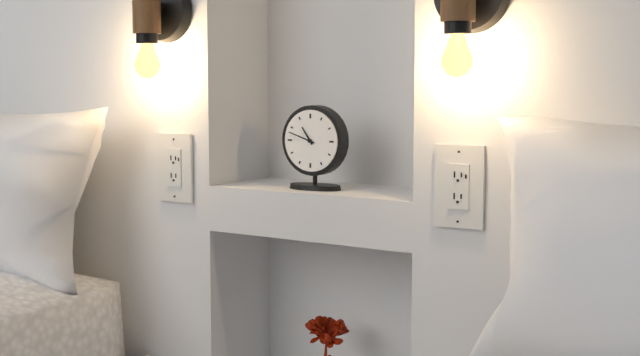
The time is h=10 m=48
